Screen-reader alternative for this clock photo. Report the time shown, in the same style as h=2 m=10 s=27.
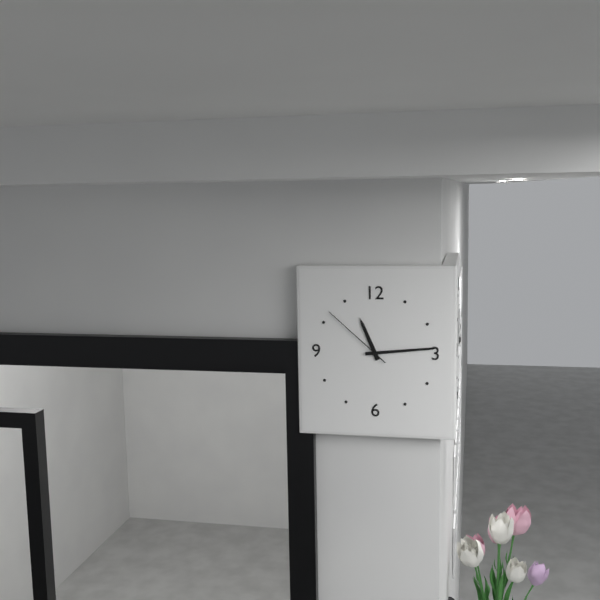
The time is h=11 m=14 s=52
